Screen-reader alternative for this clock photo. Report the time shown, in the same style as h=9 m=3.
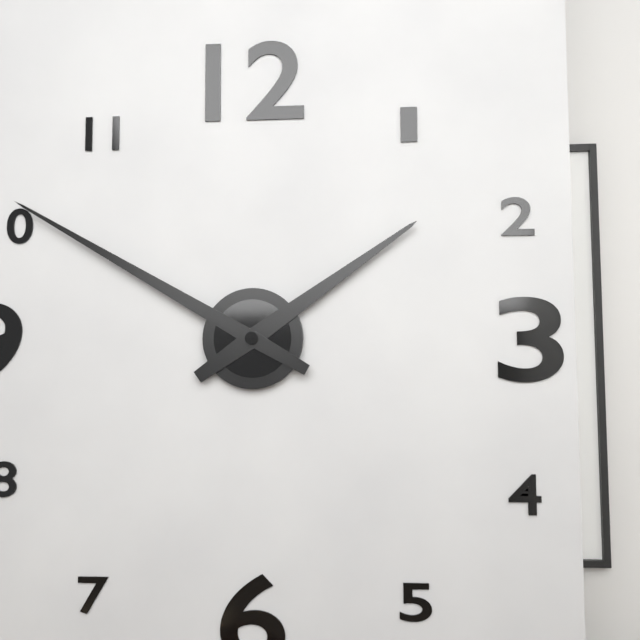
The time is h=1 m=50
